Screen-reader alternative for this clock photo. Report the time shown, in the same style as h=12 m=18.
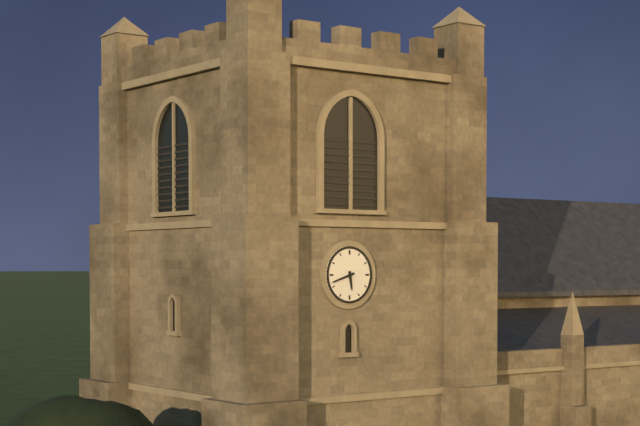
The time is h=5 m=42
